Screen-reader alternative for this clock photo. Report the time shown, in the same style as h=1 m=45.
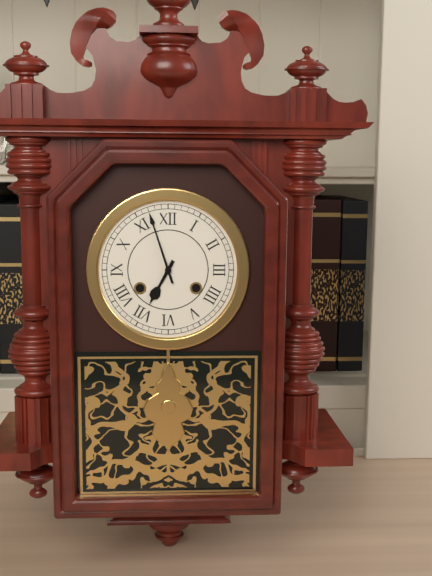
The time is h=6 m=57
